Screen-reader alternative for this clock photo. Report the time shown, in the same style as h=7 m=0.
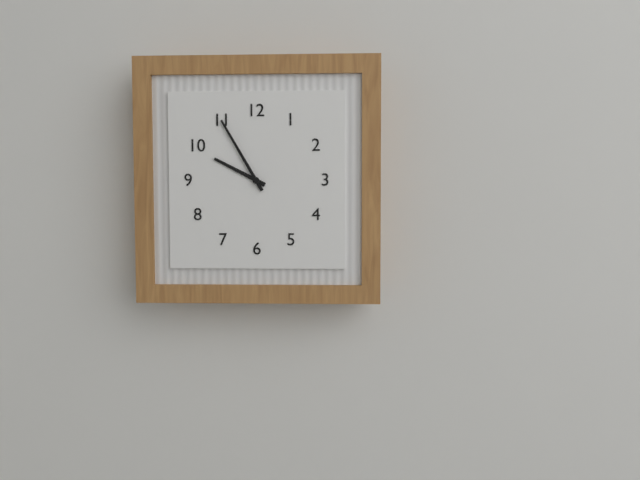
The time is h=9 m=55
